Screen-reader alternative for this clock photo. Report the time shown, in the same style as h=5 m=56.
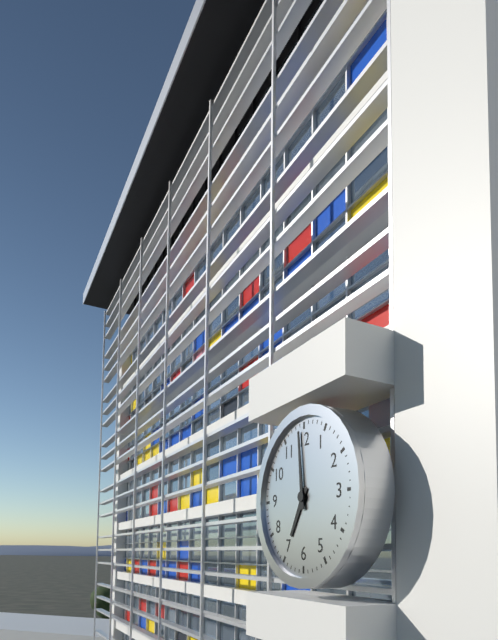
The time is h=6 m=59
